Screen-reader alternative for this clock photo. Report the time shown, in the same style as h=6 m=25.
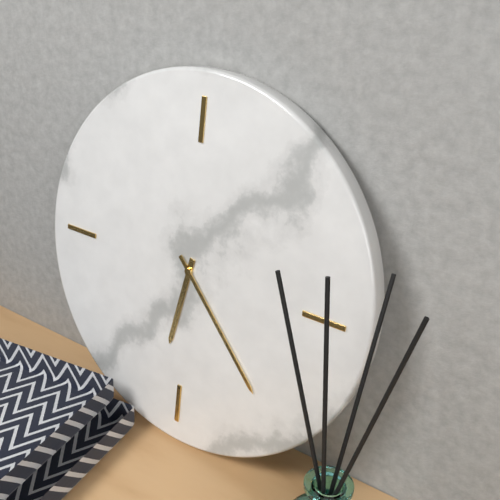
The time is h=6 m=23
